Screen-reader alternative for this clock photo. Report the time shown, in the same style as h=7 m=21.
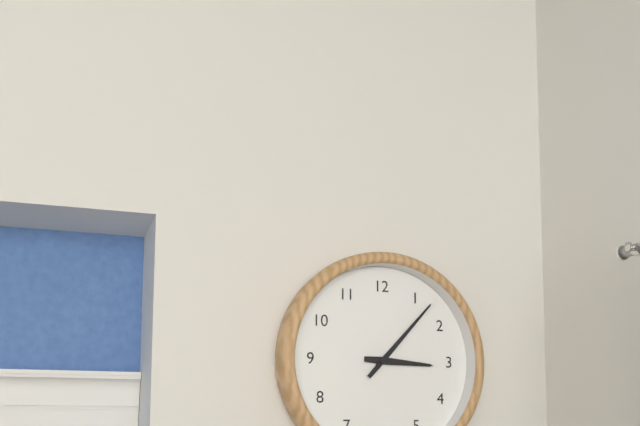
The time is h=3 m=7
